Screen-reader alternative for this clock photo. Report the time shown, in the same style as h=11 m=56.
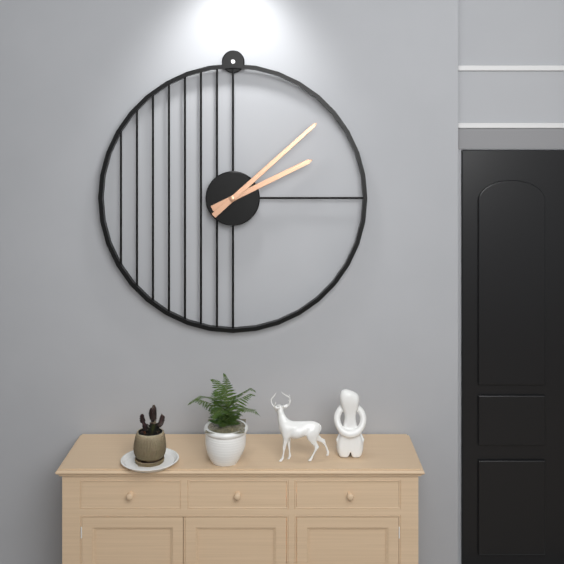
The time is h=2 m=8
